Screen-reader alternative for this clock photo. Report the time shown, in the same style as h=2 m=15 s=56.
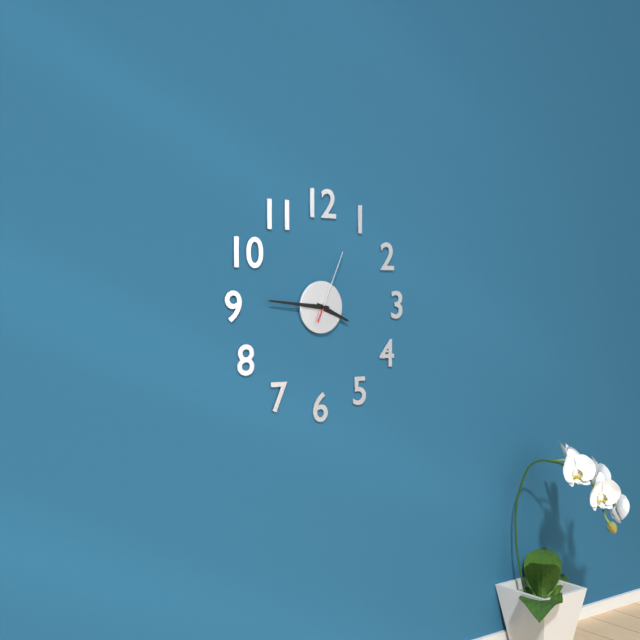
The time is h=3 m=46 s=4
